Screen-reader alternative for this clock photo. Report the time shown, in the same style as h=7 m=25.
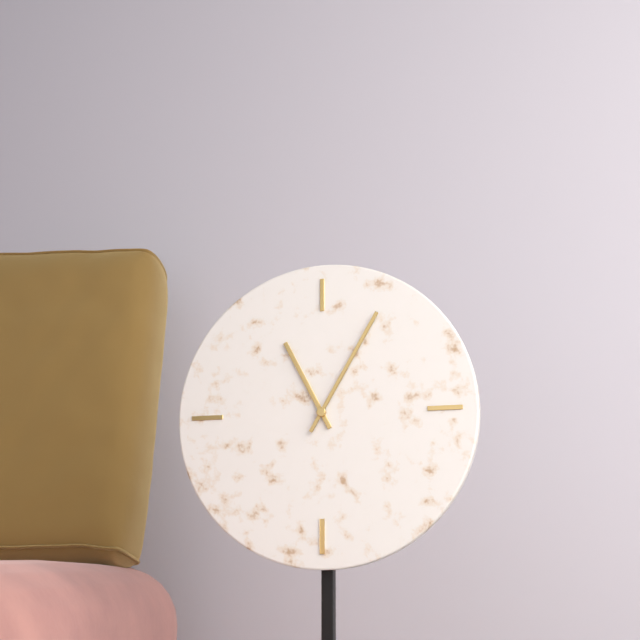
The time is h=11 m=5
